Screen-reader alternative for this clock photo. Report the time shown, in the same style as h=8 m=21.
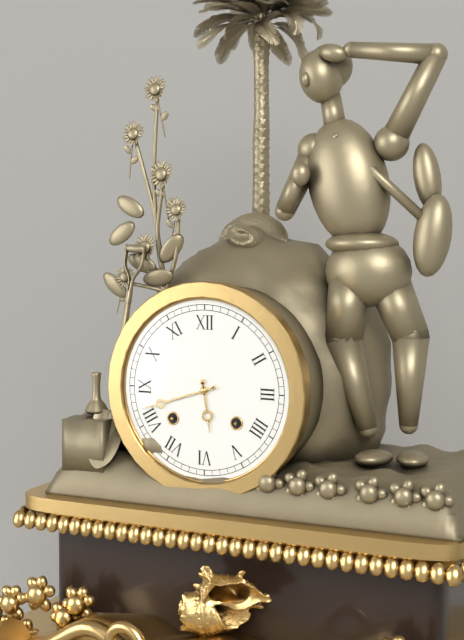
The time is h=5 m=42
